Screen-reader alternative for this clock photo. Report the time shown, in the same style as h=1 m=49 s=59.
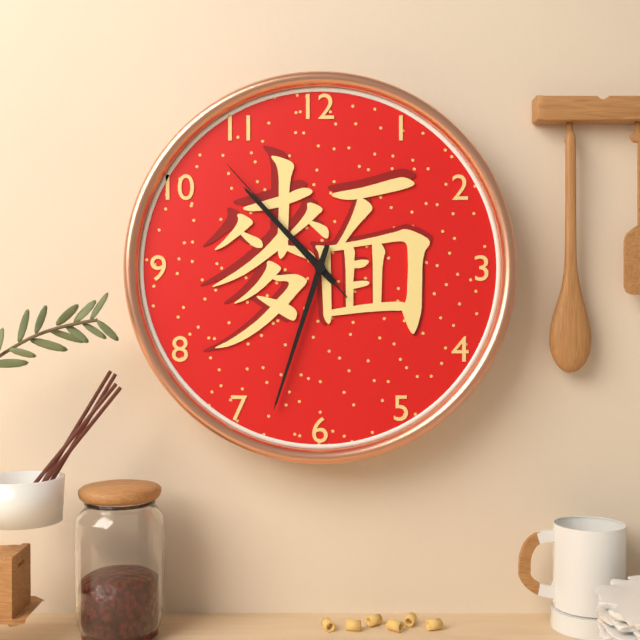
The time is h=10 m=33 s=53
